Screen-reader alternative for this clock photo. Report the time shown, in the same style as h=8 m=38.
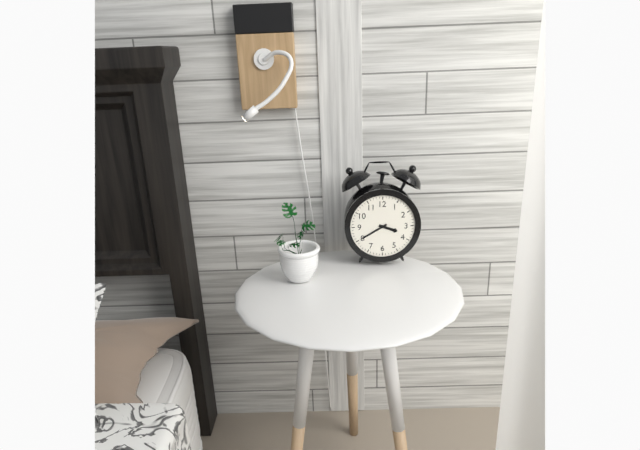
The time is h=3 m=40
